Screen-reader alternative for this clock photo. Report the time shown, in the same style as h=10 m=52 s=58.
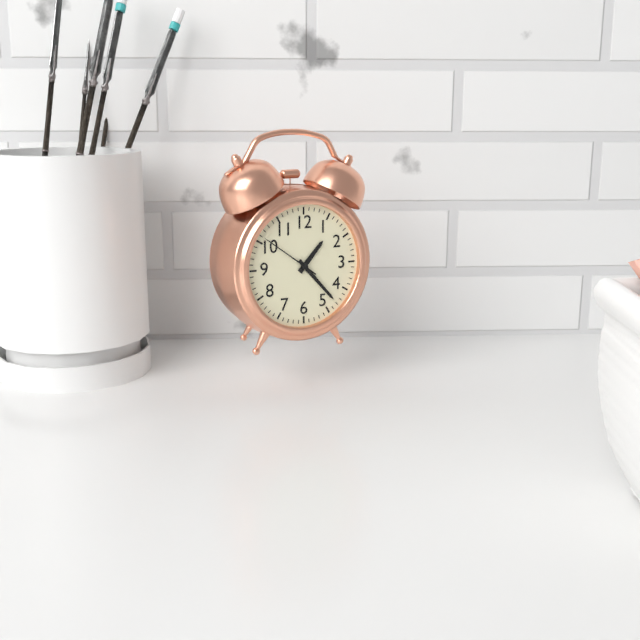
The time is h=1 m=23 s=51
